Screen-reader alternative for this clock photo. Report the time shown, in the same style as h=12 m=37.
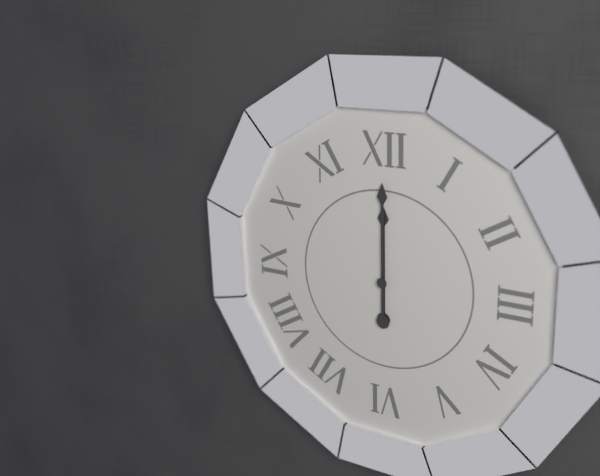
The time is h=12 m=0
